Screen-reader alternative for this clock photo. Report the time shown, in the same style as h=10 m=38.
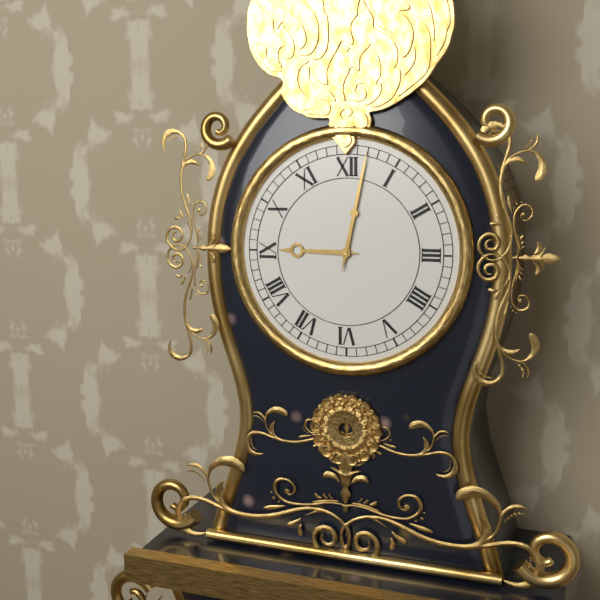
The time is h=9 m=2
